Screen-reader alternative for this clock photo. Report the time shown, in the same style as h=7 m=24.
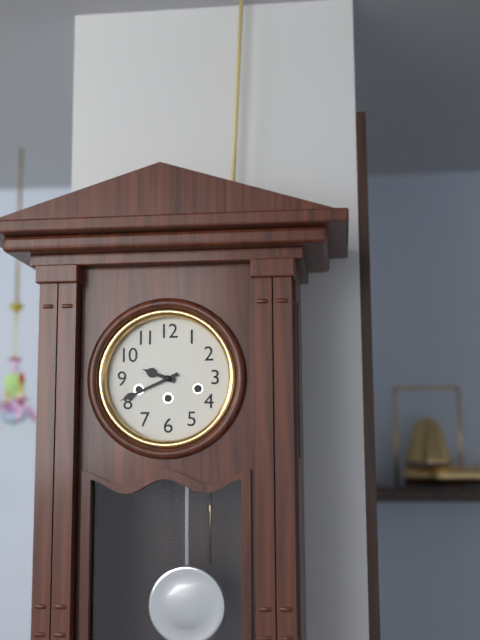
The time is h=9 m=41
